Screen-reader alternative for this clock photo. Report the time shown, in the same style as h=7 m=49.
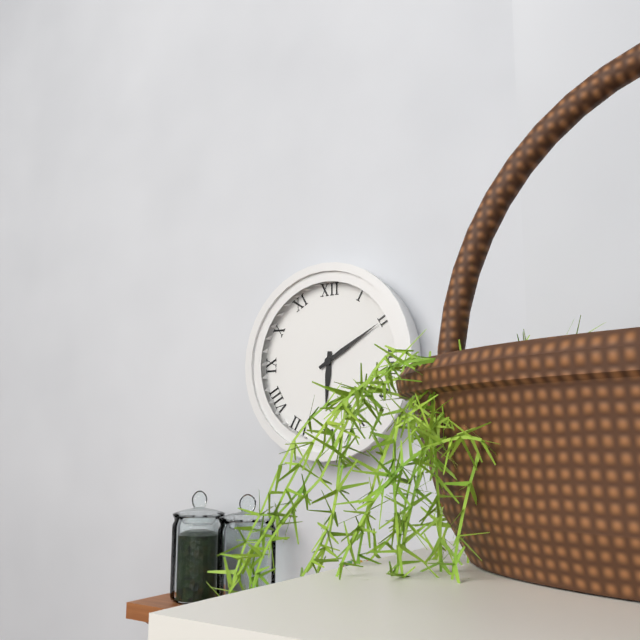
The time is h=6 m=10
